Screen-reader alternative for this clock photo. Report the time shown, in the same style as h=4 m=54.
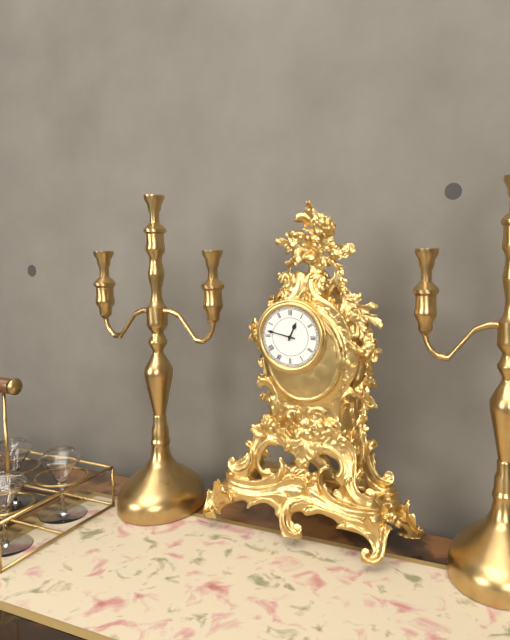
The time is h=12 m=47
